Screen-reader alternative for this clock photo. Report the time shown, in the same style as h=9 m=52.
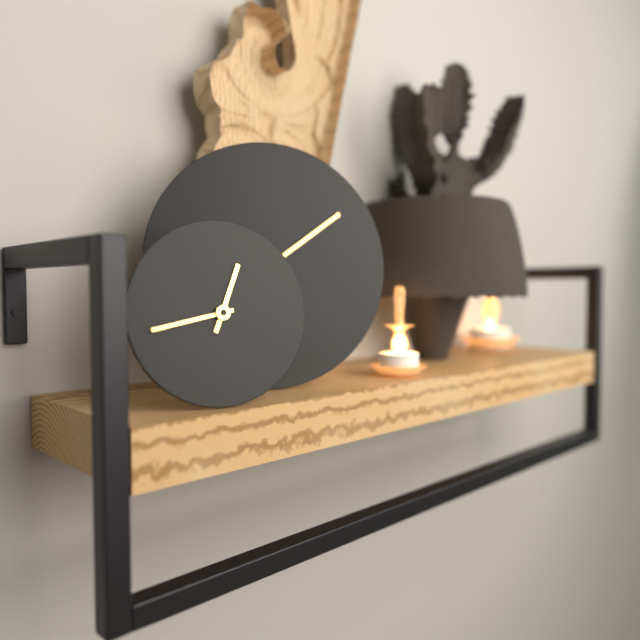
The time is h=12 m=43
